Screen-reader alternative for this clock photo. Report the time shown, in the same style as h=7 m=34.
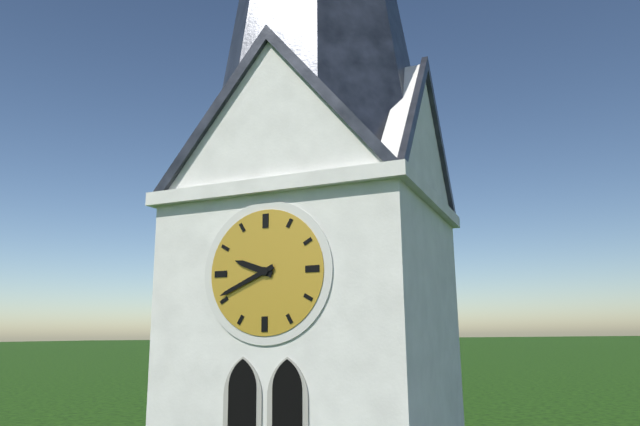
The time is h=9 m=41
